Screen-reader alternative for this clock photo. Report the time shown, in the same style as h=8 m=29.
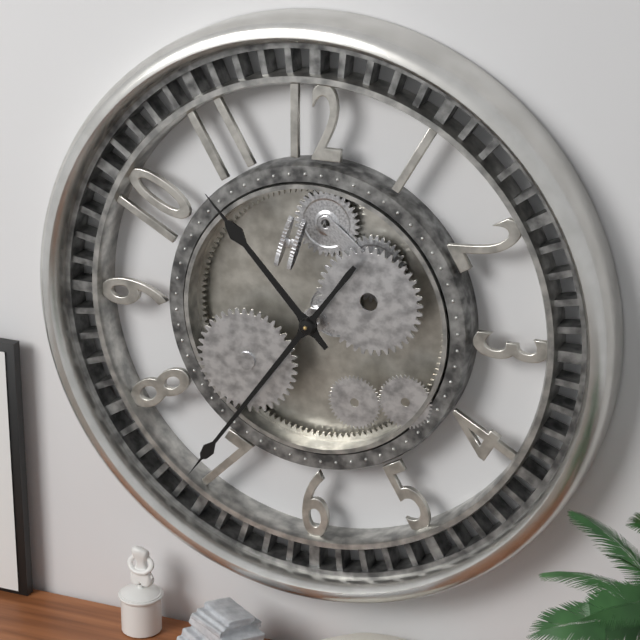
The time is h=10 m=36
